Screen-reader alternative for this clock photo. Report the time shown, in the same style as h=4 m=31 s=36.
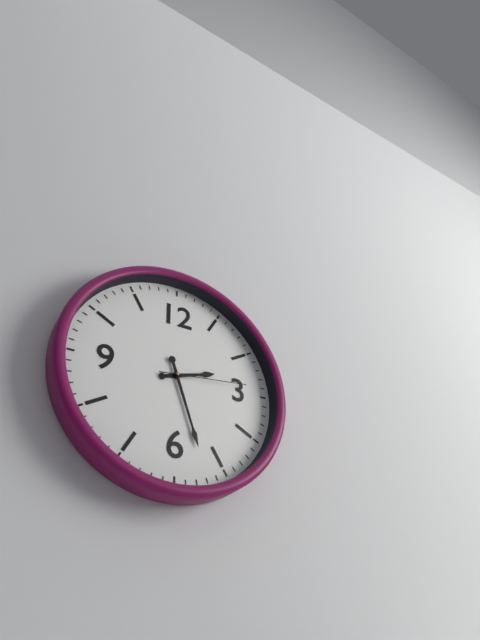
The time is h=2 m=27 s=14
